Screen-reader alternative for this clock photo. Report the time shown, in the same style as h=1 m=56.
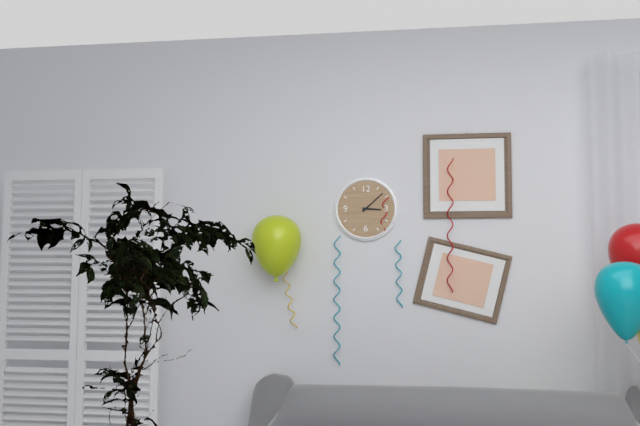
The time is h=3 m=8
